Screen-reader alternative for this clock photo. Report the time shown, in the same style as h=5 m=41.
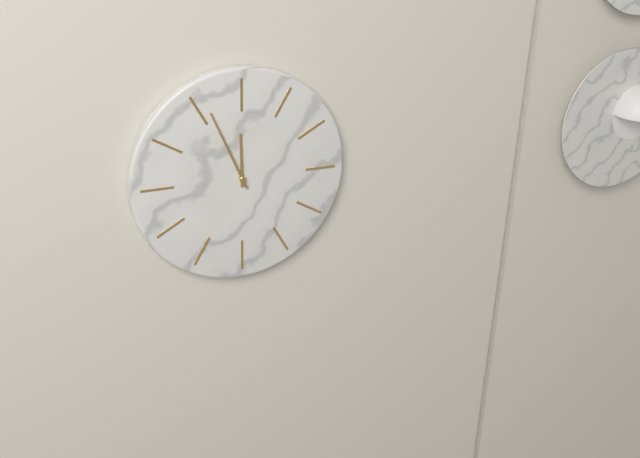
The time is h=11 m=56
